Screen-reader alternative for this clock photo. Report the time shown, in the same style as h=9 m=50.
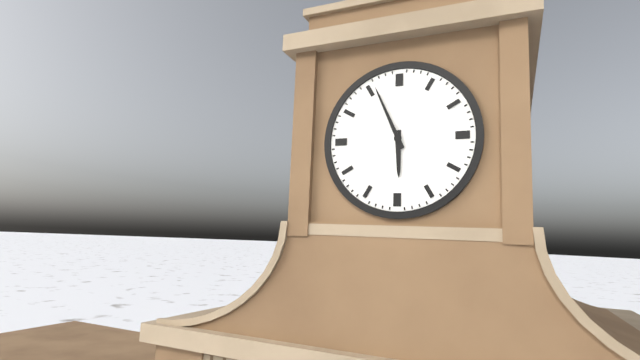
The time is h=5 m=56
